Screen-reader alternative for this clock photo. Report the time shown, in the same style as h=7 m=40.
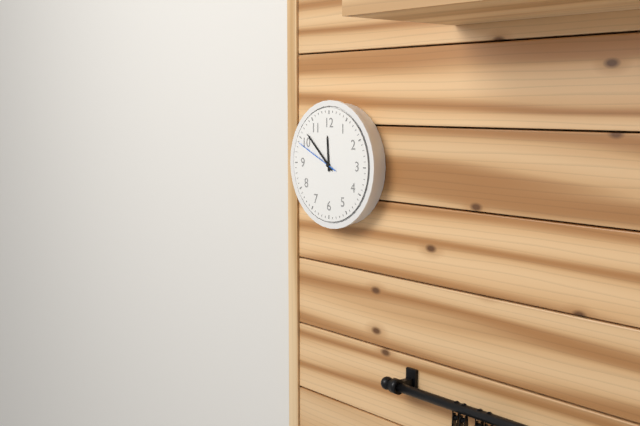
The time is h=11 m=52
